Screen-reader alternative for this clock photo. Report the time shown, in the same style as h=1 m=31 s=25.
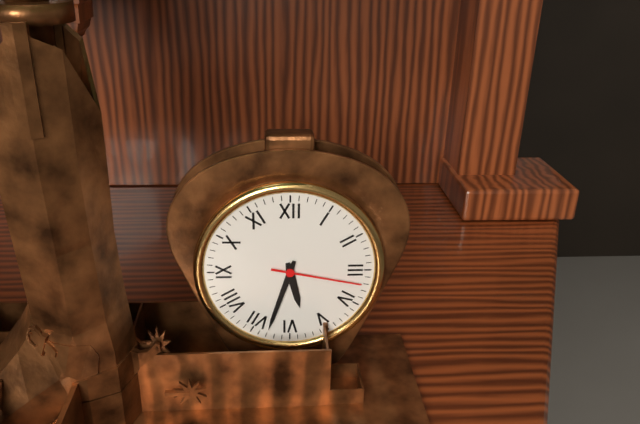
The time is h=5 m=33 s=17
